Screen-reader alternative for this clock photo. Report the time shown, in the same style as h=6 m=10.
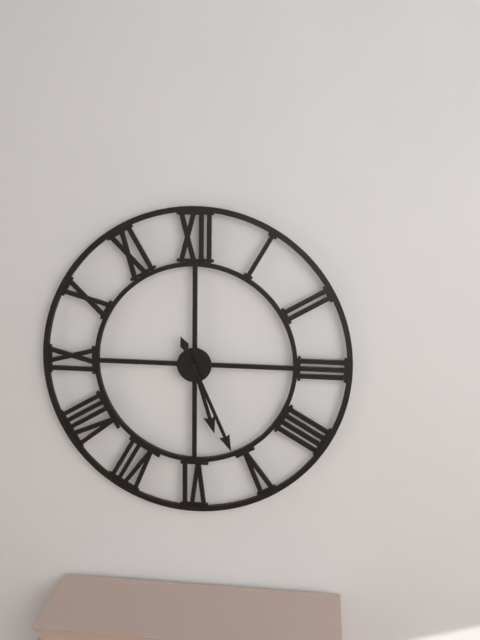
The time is h=5 m=26
